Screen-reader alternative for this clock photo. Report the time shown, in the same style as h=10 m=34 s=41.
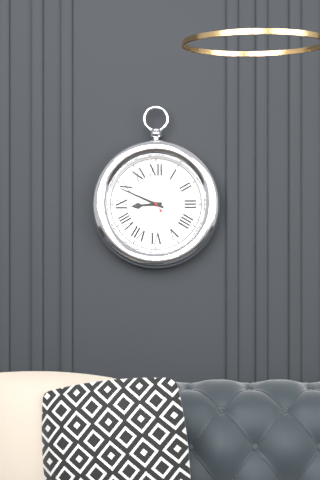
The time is h=8 m=49 s=54
